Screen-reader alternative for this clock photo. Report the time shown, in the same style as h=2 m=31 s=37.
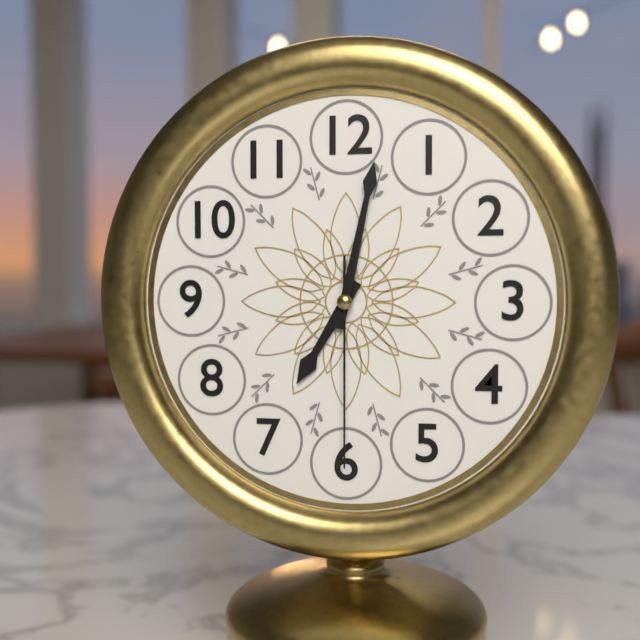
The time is h=7 m=2 s=30
